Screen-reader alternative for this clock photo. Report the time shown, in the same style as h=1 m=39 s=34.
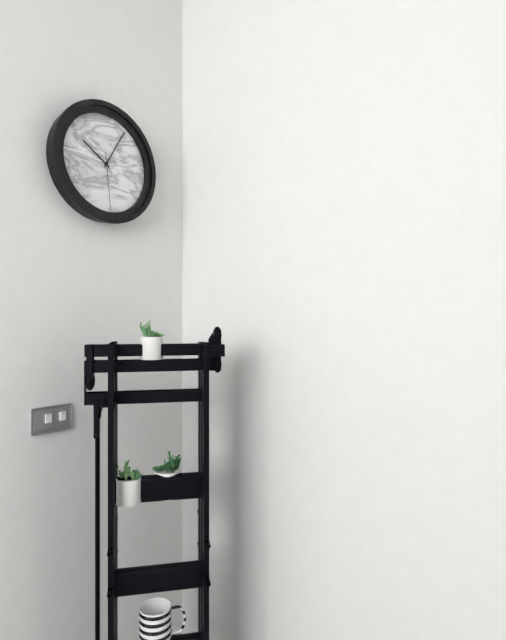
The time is h=10 m=5 s=29
